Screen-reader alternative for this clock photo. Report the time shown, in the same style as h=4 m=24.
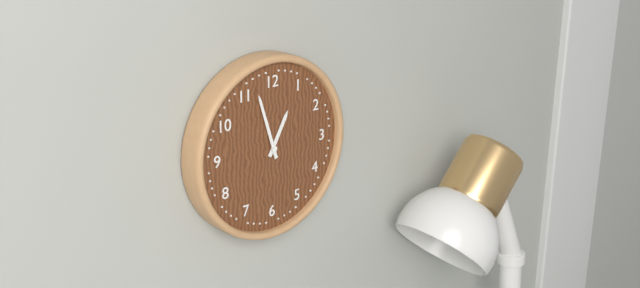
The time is h=12 m=57
